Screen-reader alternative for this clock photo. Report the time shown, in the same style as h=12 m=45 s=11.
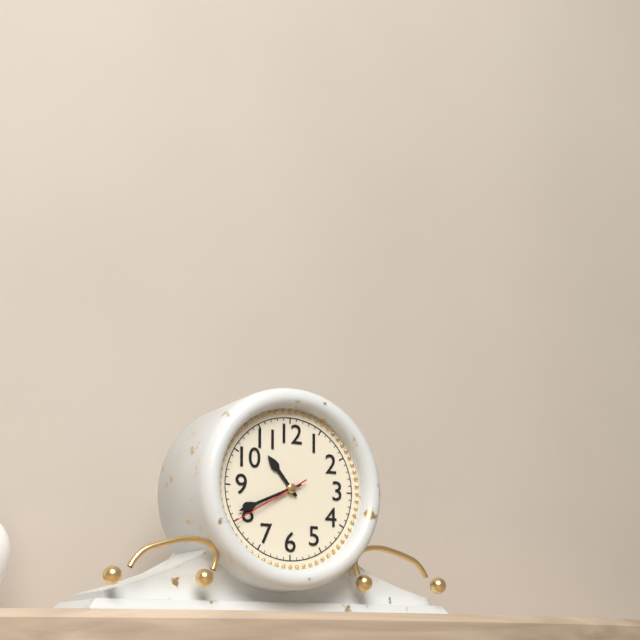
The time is h=10 m=41 s=40
